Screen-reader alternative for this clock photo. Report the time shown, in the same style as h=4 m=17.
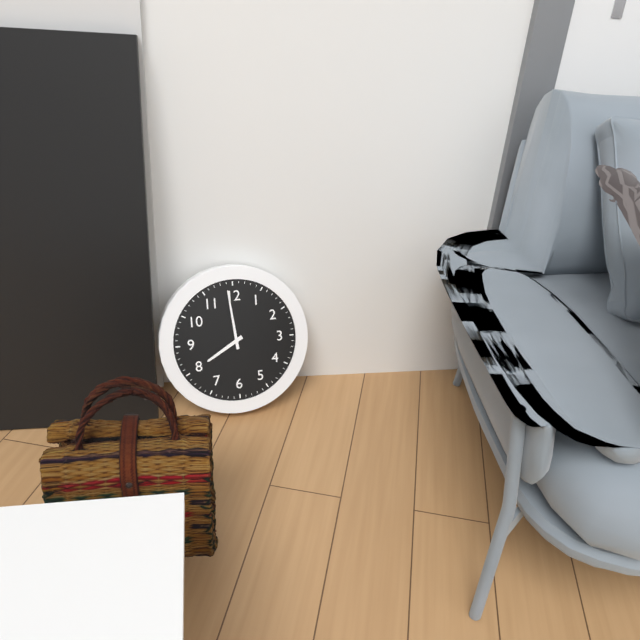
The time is h=7 m=59
